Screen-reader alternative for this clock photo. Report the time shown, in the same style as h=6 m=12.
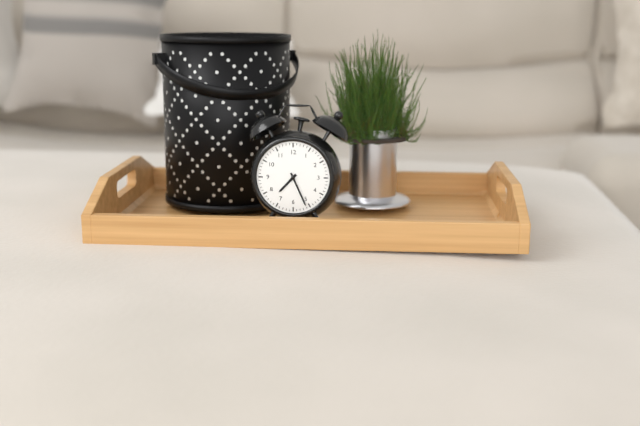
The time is h=7 m=26
